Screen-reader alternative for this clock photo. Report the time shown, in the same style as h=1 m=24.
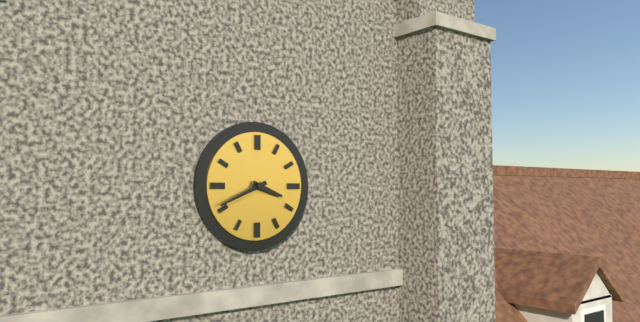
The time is h=3 m=41
